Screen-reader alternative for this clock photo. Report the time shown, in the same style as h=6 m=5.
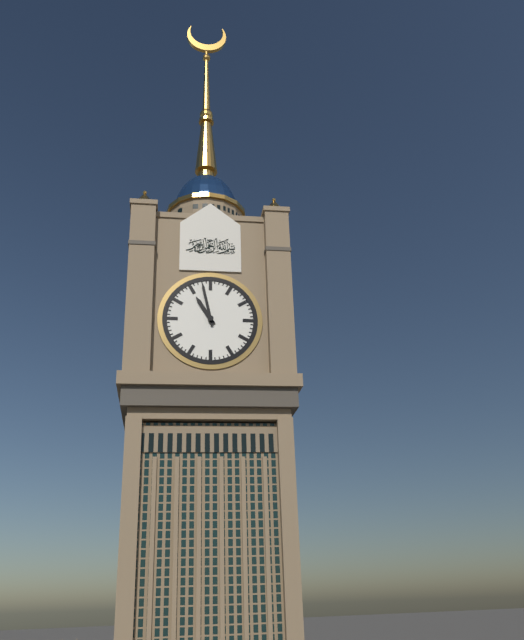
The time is h=10 m=58
